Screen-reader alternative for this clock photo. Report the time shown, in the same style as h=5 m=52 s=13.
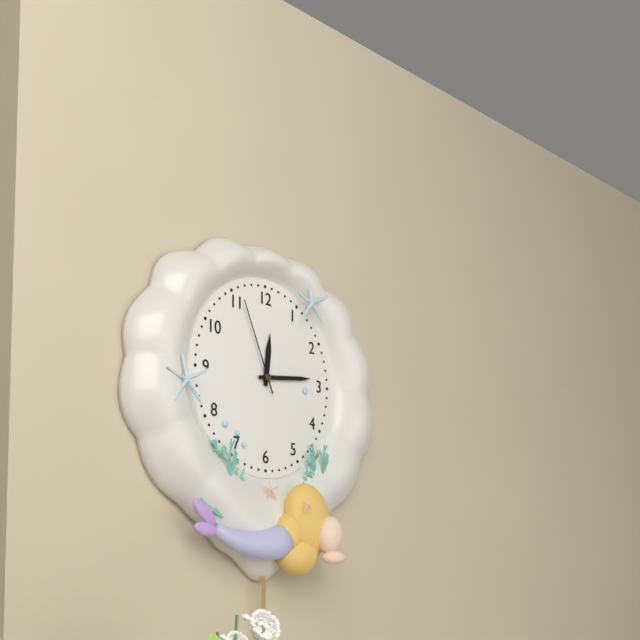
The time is h=12 m=14 s=56
